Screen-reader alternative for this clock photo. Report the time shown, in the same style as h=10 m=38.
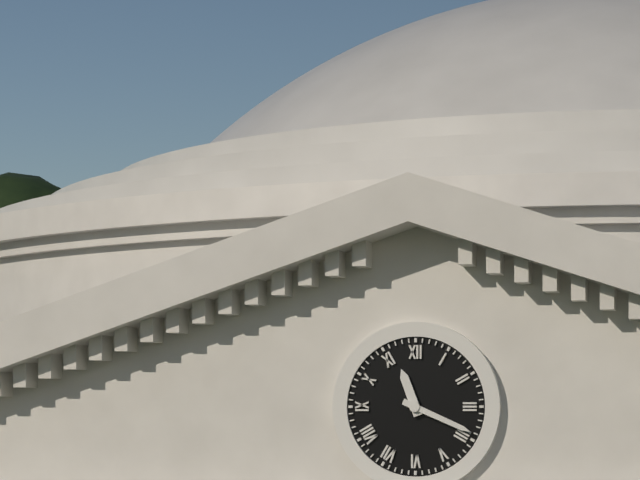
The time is h=11 m=19
